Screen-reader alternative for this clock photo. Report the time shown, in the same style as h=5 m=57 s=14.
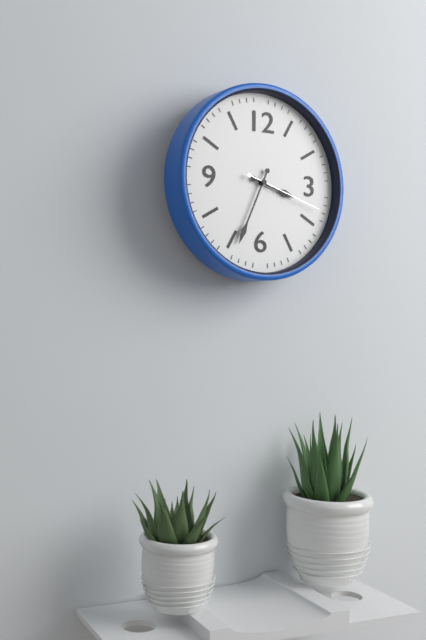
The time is h=3 m=34 s=18
